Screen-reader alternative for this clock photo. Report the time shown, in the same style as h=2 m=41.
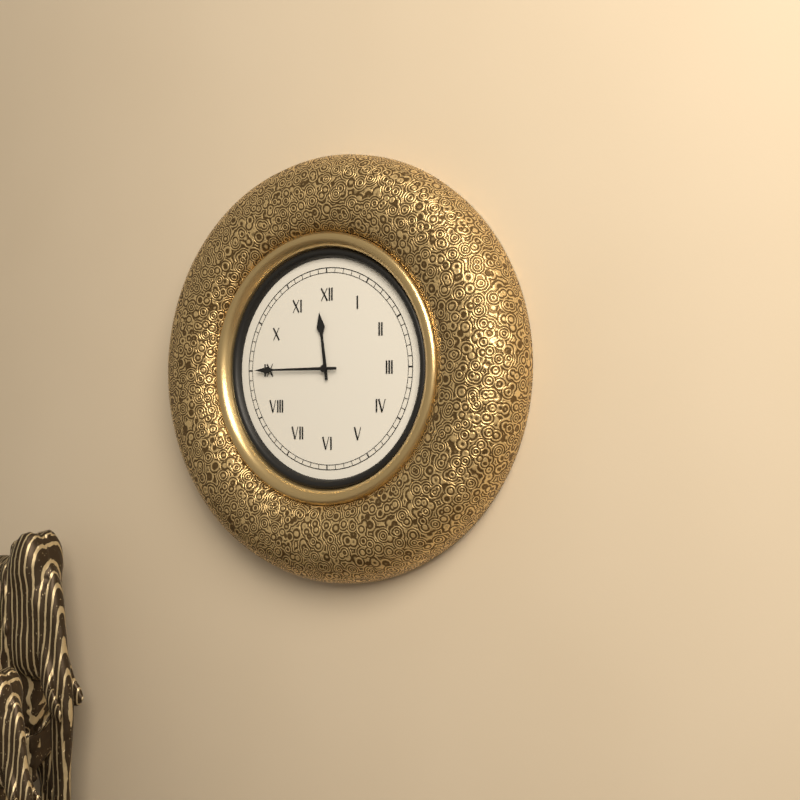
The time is h=11 m=45
